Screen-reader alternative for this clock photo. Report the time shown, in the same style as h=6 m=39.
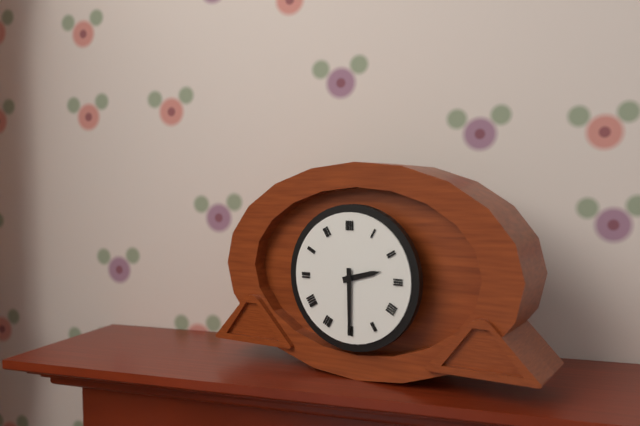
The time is h=2 m=30
